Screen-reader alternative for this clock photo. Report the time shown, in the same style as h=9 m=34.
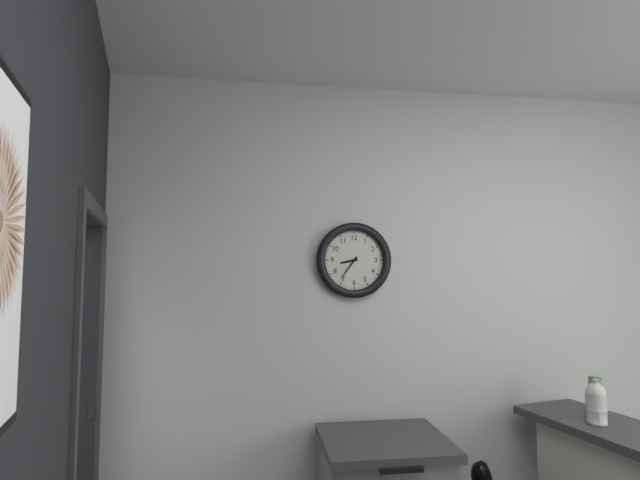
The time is h=8 m=36
